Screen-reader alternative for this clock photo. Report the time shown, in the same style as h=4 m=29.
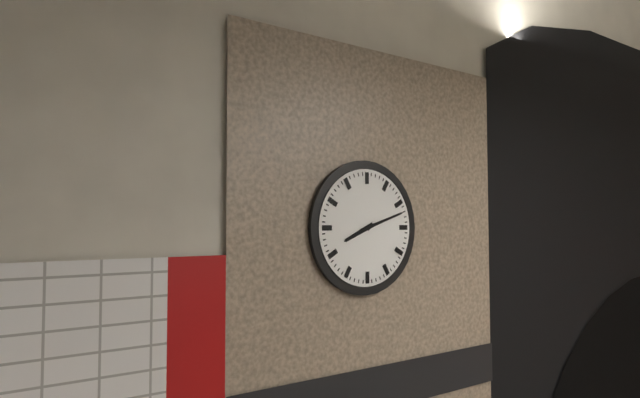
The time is h=8 m=12
